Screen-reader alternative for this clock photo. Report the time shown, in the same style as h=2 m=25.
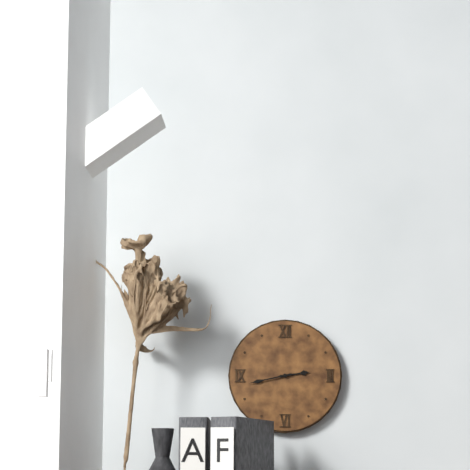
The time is h=2 m=43
